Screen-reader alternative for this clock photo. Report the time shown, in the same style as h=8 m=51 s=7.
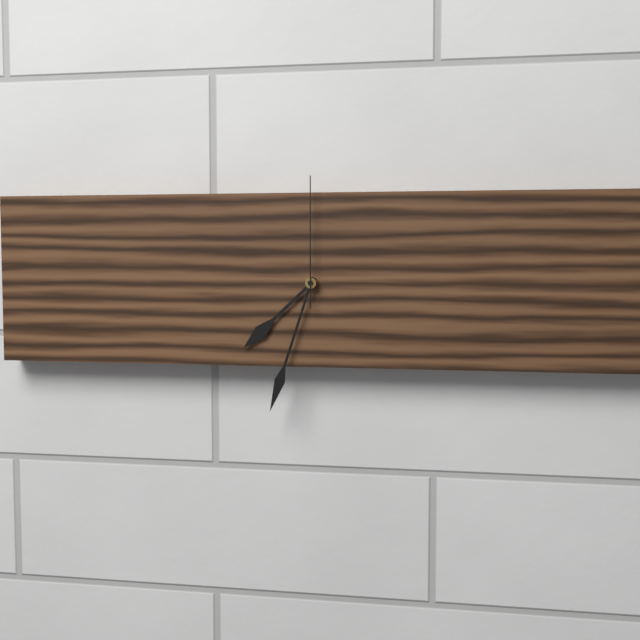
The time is h=7 m=33 s=0
